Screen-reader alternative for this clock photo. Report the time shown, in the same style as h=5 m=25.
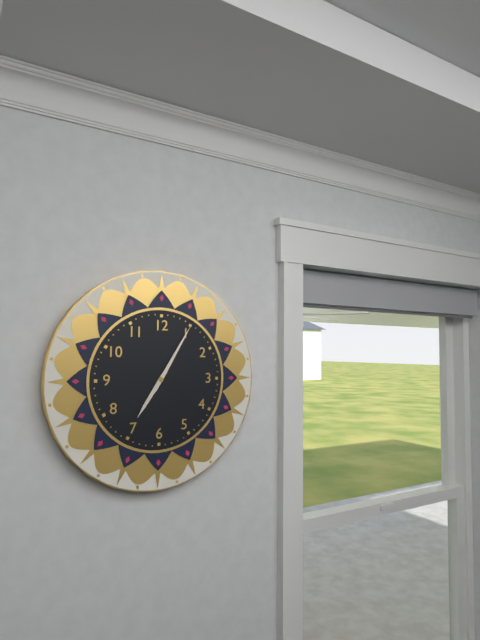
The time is h=7 m=5
